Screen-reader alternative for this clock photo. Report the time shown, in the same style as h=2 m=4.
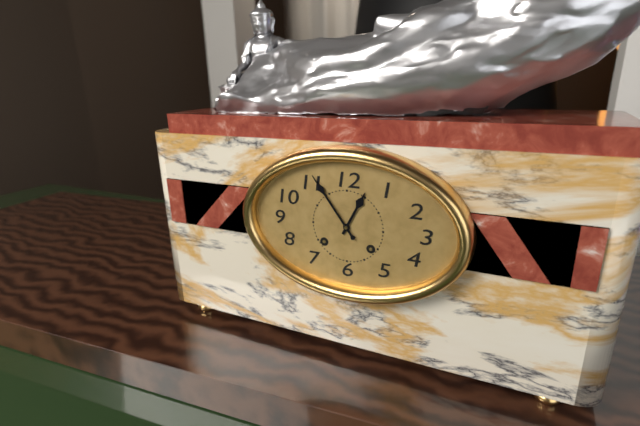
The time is h=12 m=54
